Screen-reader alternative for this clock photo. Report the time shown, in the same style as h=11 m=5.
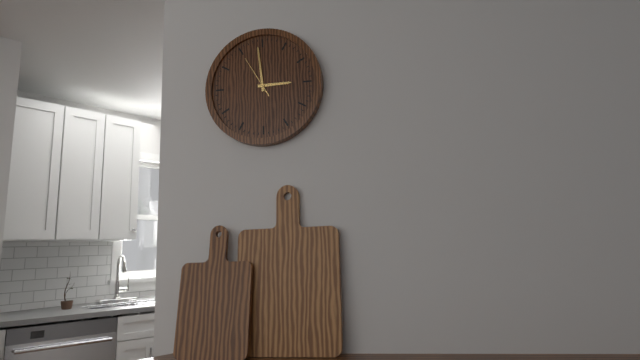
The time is h=2 m=59
